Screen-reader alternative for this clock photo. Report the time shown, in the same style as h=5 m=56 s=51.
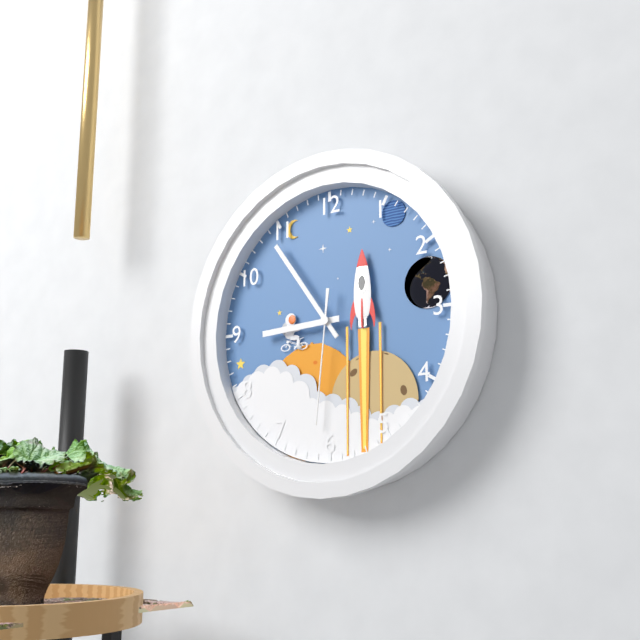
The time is h=8 m=54 s=31
